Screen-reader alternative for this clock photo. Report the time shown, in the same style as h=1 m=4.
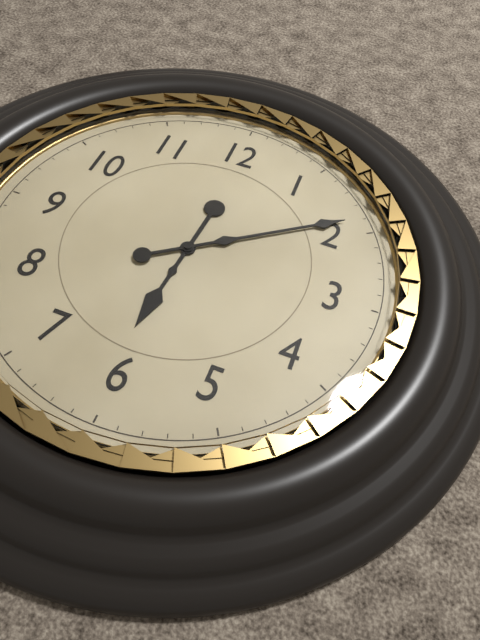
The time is h=6 m=9
